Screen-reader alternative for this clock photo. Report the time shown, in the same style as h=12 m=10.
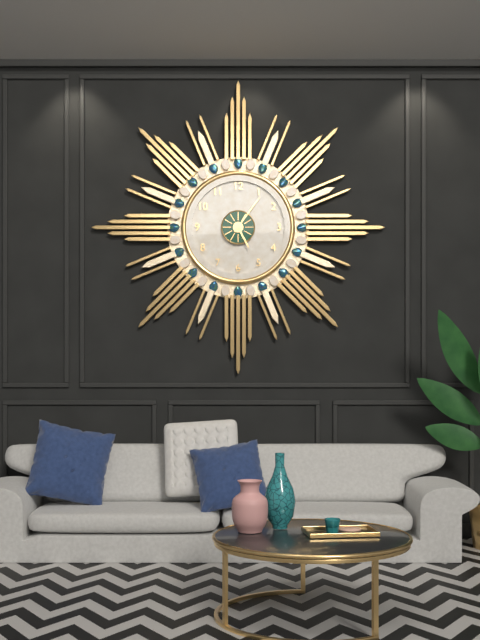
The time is h=5 m=6
